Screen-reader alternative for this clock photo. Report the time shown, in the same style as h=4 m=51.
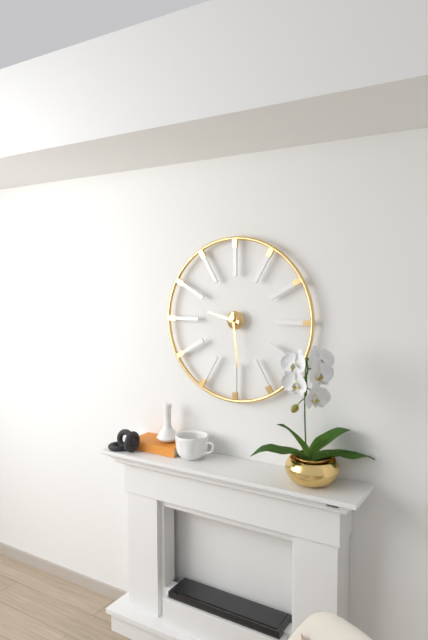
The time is h=9 m=29
